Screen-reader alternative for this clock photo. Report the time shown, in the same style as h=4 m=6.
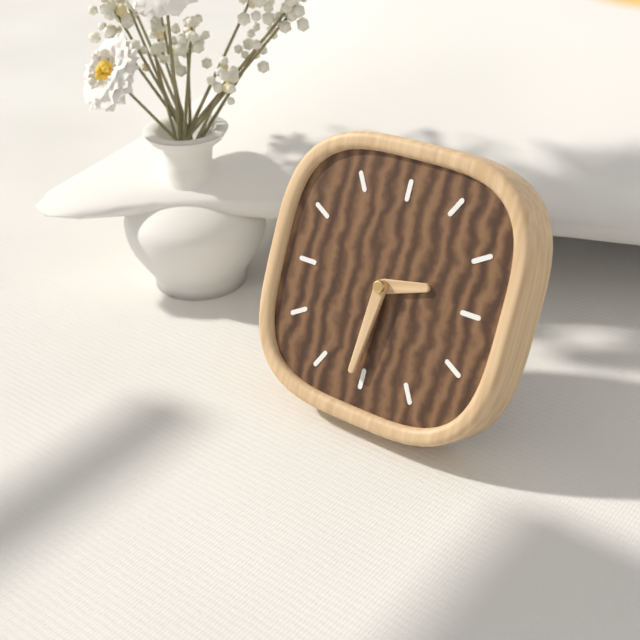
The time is h=2 m=31
